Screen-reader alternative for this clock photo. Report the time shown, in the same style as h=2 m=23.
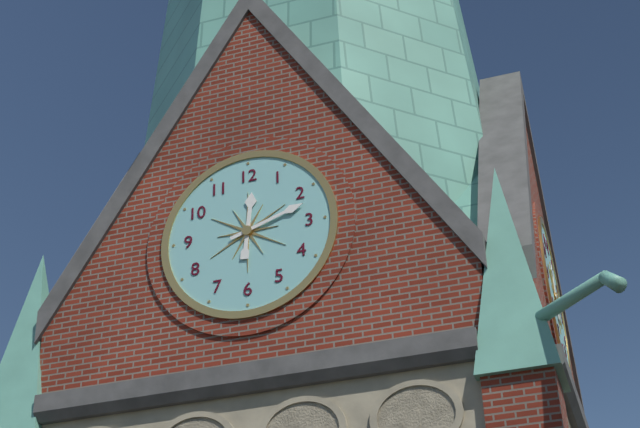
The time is h=12 m=12
